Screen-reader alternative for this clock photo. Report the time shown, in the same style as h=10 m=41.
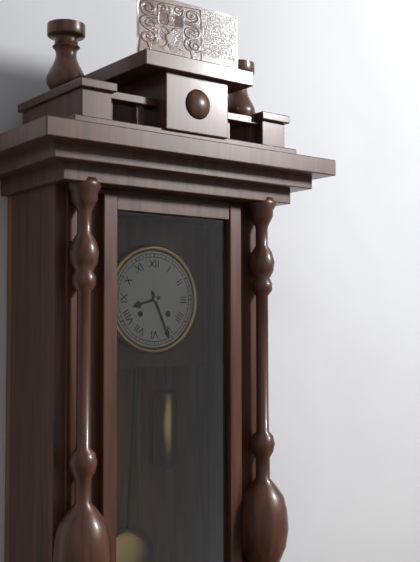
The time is h=8 m=26
